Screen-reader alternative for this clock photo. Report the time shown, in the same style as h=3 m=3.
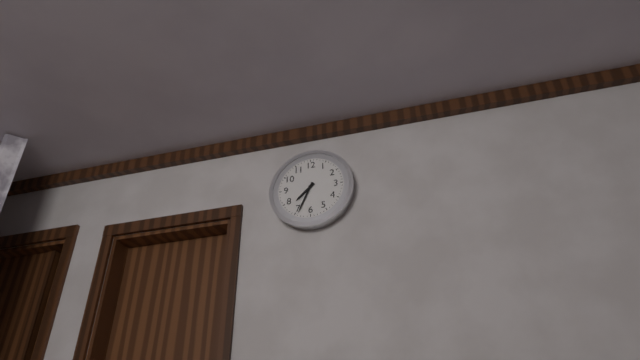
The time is h=7 m=34
